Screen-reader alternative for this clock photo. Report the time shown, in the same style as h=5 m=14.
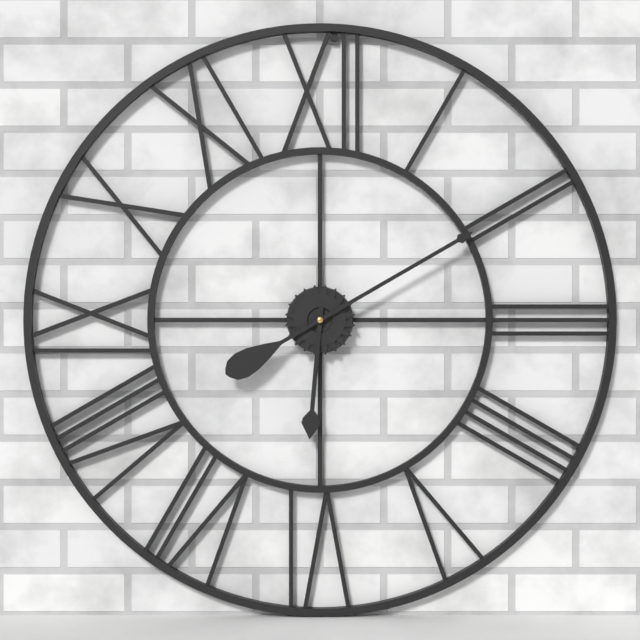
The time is h=6 m=10
